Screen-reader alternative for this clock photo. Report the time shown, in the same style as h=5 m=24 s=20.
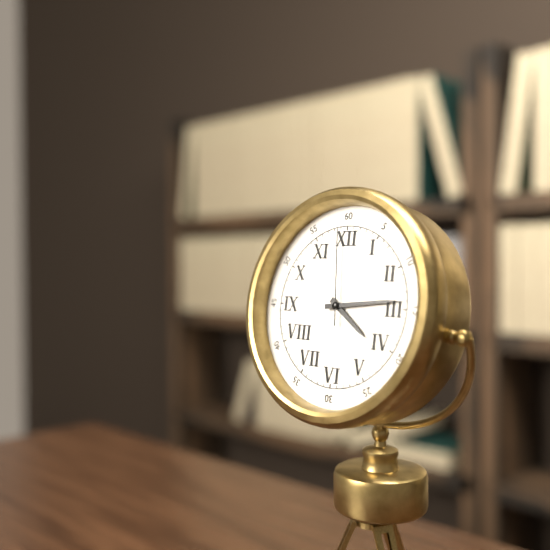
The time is h=4 m=14 s=59
